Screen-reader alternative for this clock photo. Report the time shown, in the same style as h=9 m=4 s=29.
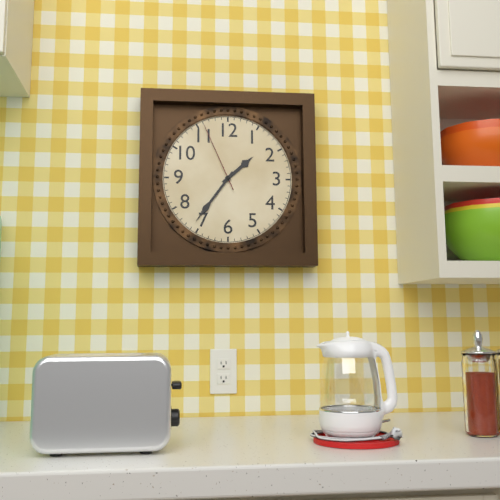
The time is h=1 m=36 s=56
